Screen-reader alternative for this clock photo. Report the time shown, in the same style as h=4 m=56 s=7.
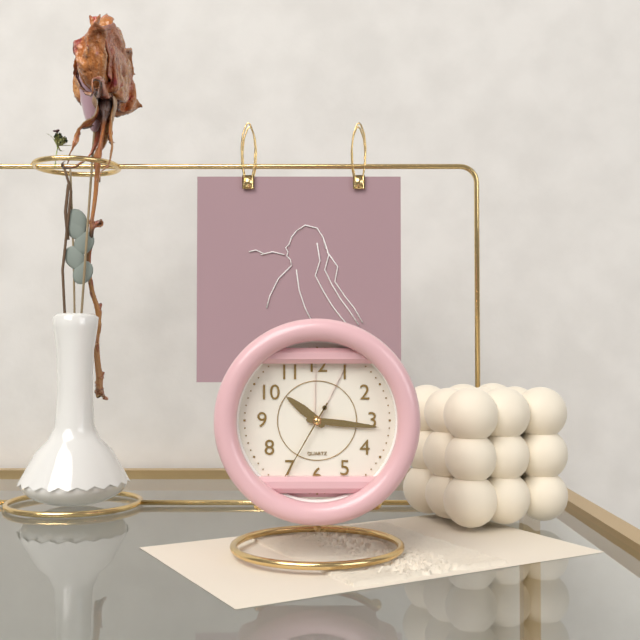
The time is h=10 m=16 s=35
